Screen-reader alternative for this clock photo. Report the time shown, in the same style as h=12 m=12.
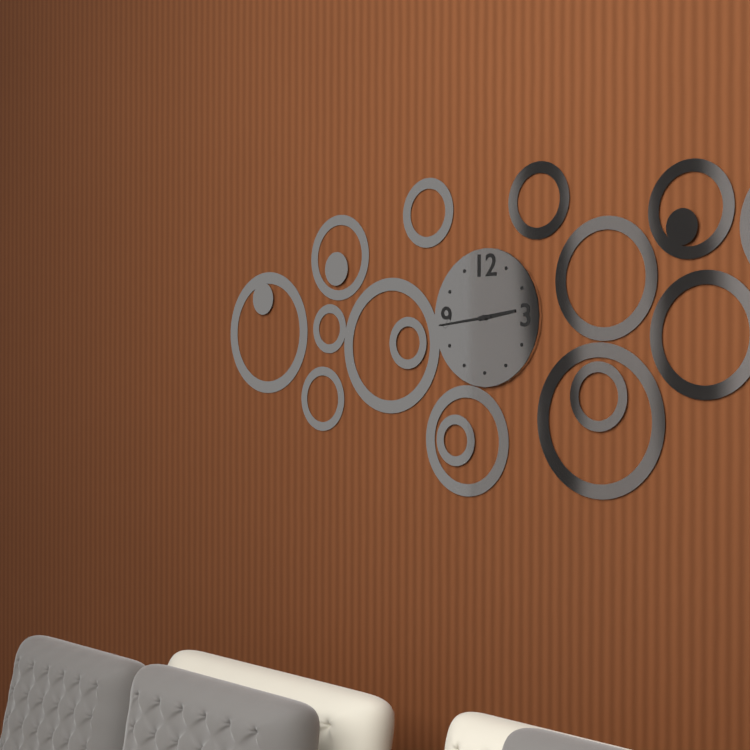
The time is h=2 m=44
